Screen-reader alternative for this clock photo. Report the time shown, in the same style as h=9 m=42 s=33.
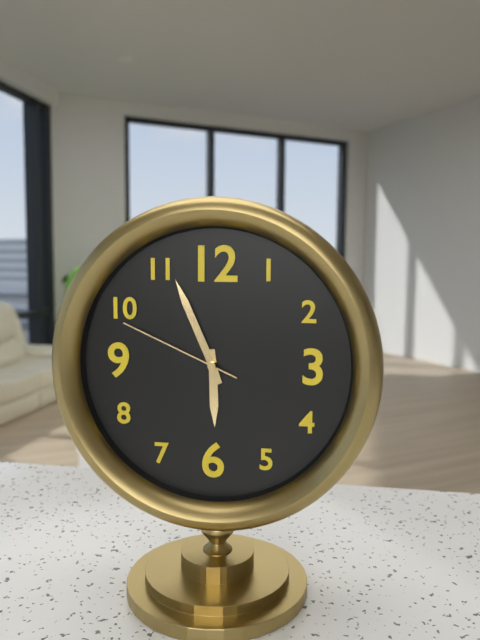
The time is h=5 m=56 s=49
